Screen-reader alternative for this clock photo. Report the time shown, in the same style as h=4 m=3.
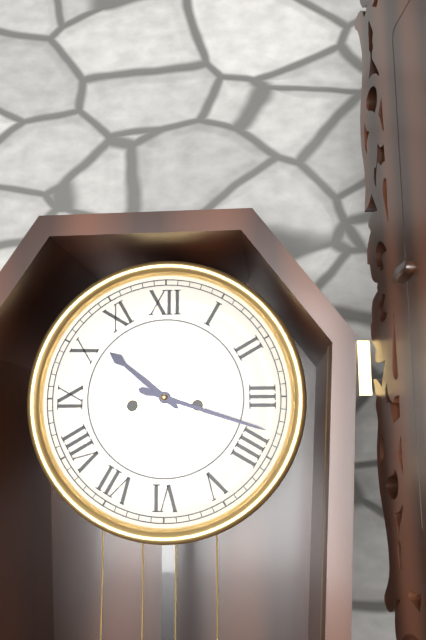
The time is h=10 m=18
